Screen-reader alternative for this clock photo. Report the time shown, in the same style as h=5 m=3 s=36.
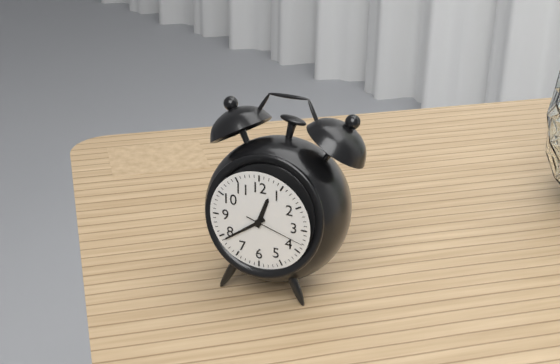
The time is h=12 m=39 s=18
